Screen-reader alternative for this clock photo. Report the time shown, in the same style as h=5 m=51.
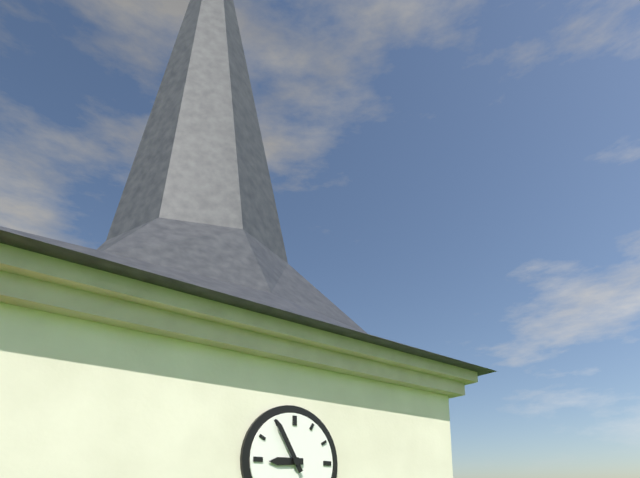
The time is h=8 m=55
